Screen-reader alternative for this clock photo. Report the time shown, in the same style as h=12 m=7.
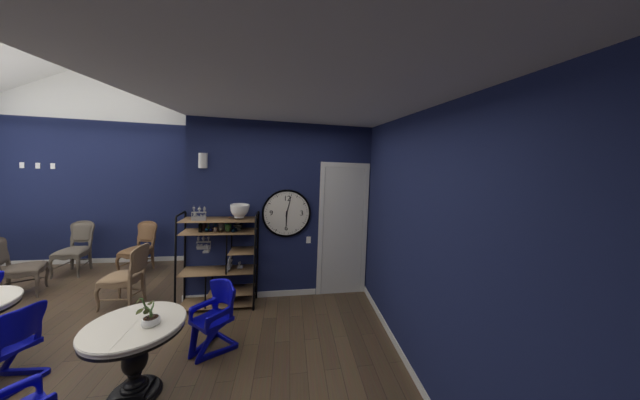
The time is h=6 m=2
